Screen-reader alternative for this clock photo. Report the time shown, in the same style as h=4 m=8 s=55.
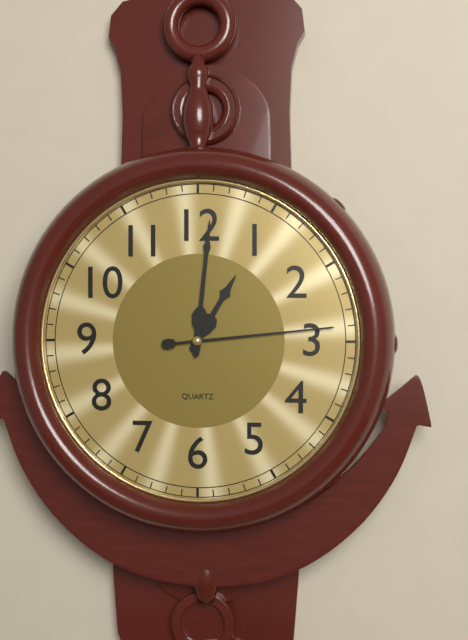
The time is h=1 m=1 s=14
